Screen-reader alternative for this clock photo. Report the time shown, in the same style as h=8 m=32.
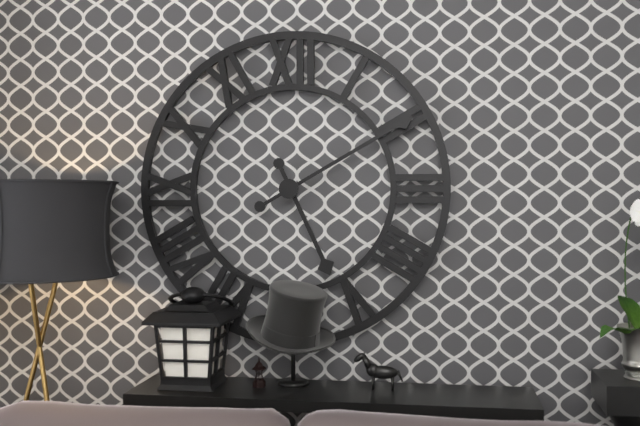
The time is h=5 m=10
